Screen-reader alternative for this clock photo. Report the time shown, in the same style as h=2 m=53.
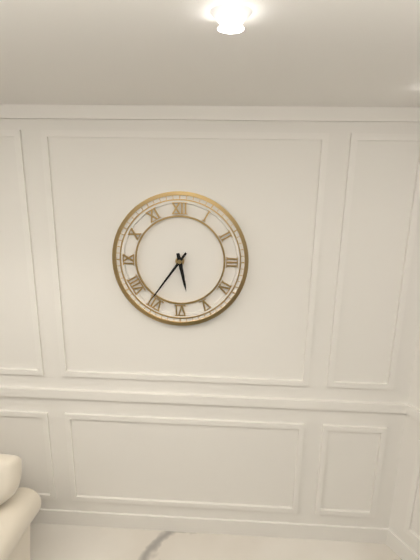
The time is h=5 m=36
